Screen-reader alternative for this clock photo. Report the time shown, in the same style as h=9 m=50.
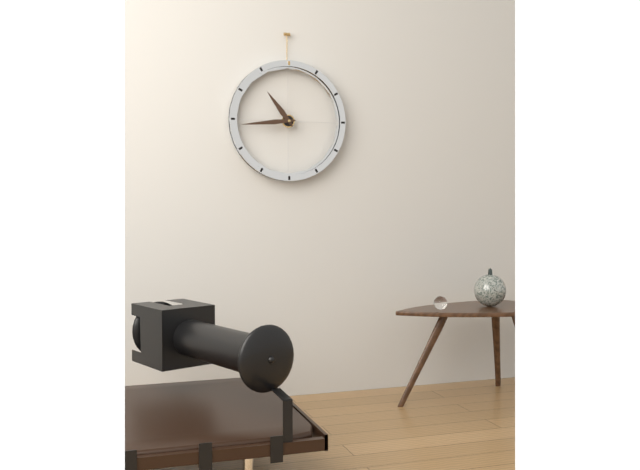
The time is h=10 m=44
